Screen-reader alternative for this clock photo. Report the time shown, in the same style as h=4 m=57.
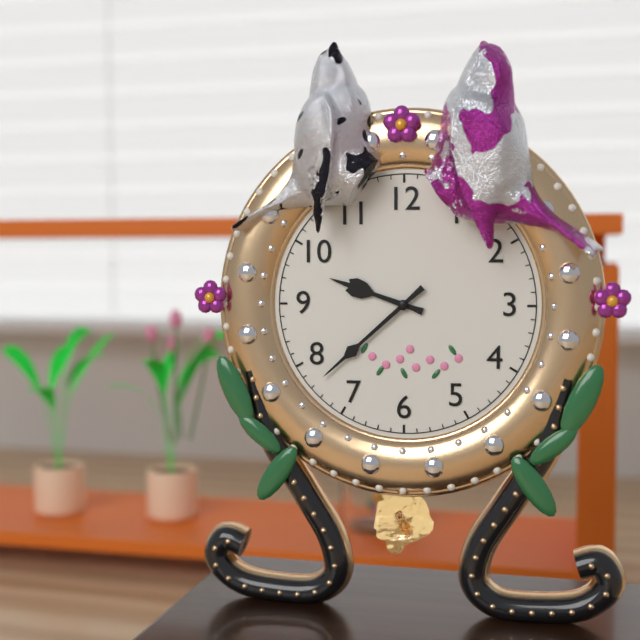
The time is h=9 m=38
